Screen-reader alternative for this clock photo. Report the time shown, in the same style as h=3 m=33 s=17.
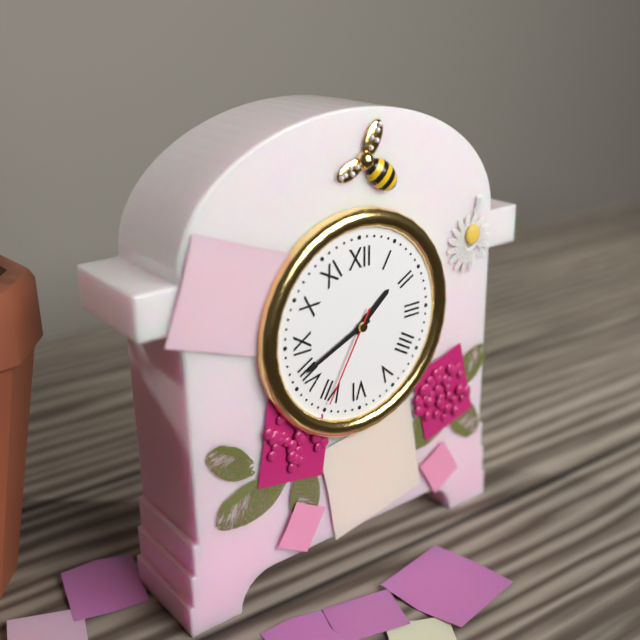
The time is h=1 m=41 s=35
